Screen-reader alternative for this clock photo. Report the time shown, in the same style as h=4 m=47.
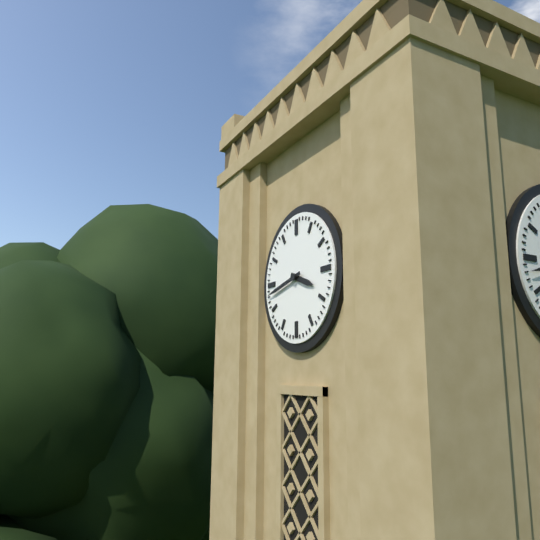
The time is h=3 m=43
